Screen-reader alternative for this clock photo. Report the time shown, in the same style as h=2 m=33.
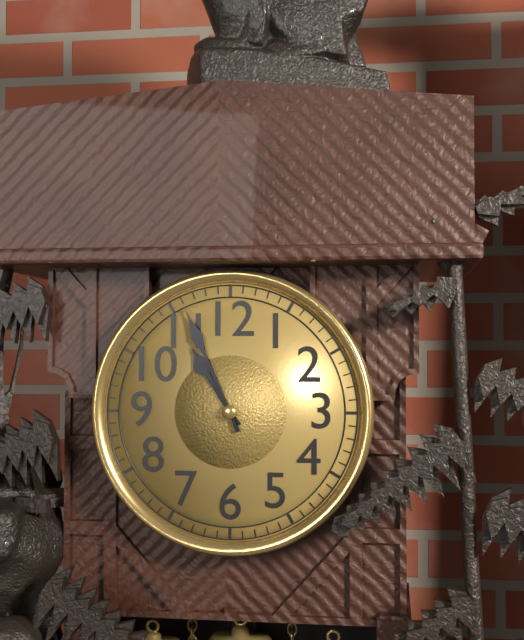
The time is h=10 m=56
